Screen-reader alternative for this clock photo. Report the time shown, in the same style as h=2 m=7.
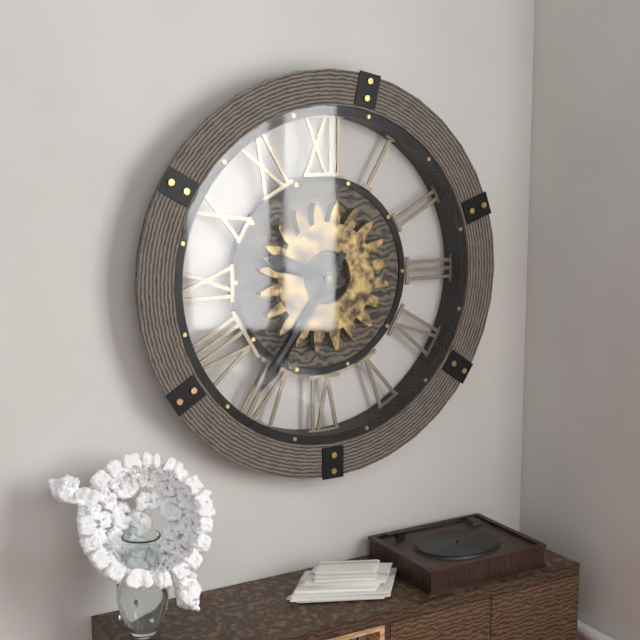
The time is h=9 m=36
